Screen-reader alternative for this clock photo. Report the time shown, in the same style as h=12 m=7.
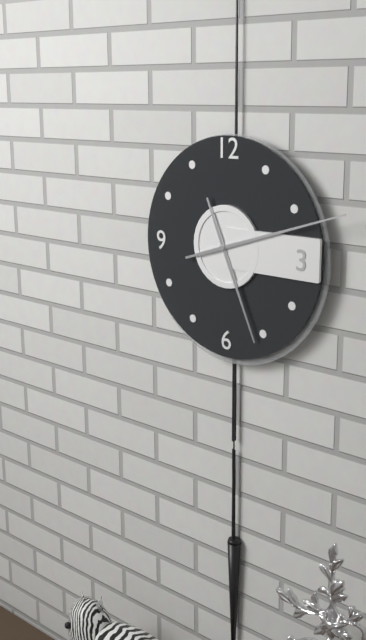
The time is h=5 m=12
